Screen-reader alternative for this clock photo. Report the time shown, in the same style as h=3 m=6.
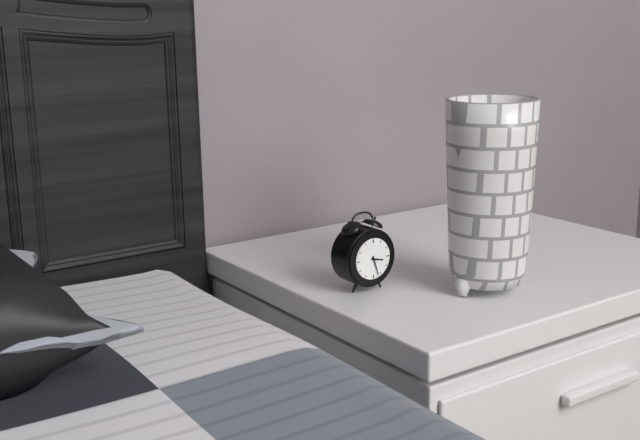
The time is h=3 m=27
